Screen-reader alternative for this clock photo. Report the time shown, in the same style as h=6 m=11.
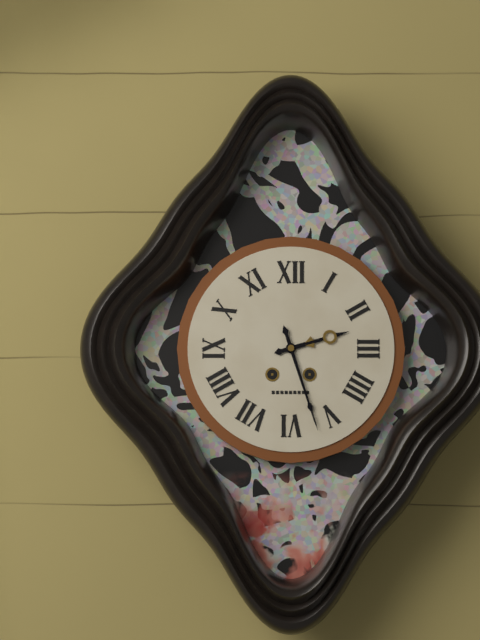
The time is h=2 m=27
